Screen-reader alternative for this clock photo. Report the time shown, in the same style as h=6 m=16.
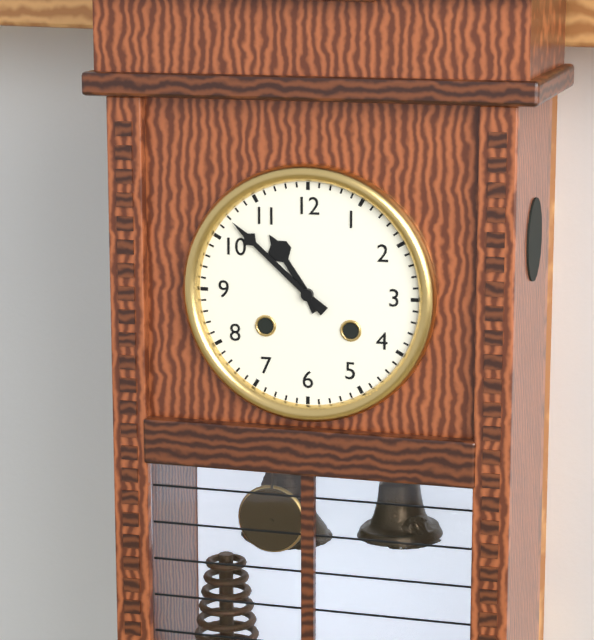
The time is h=10 m=52
